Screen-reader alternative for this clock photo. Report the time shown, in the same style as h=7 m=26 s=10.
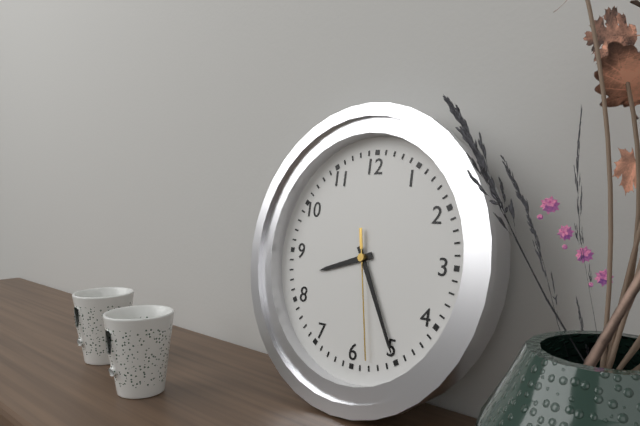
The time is h=8 m=25 s=28
